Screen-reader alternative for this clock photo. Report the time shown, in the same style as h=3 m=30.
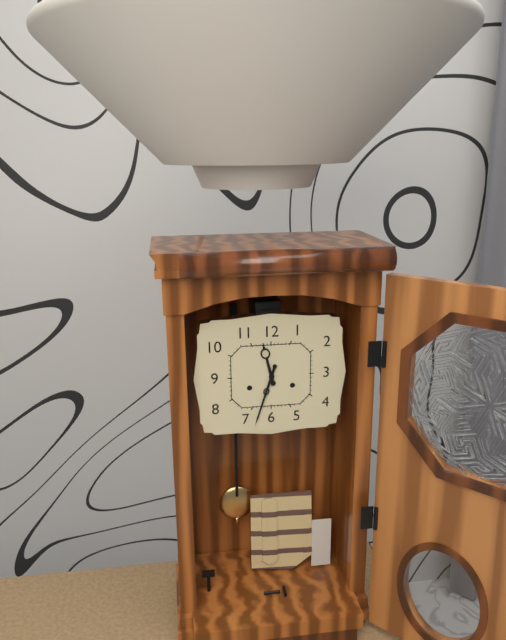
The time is h=11 m=33
